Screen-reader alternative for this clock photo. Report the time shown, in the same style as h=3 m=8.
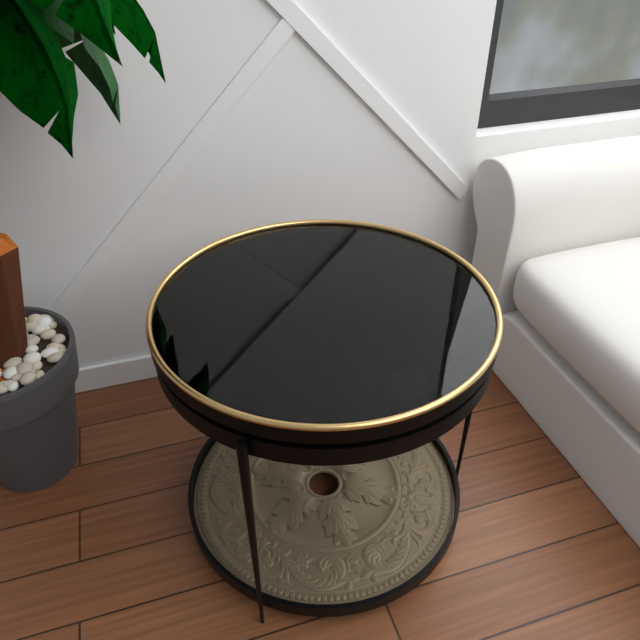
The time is h=4 m=51
